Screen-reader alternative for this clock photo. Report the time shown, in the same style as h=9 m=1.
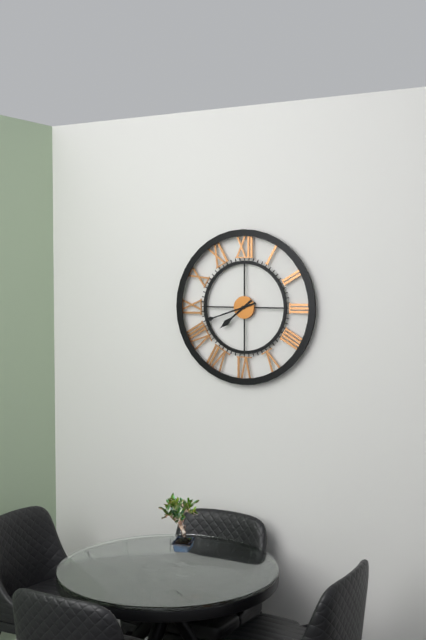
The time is h=7 m=42
